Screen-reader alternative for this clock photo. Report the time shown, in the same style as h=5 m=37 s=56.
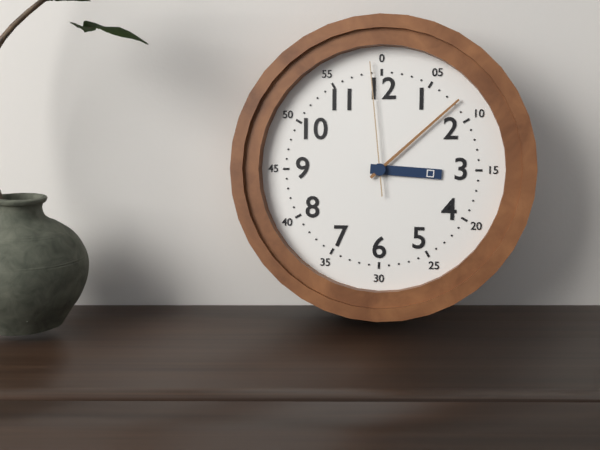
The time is h=3 m=8 s=59
